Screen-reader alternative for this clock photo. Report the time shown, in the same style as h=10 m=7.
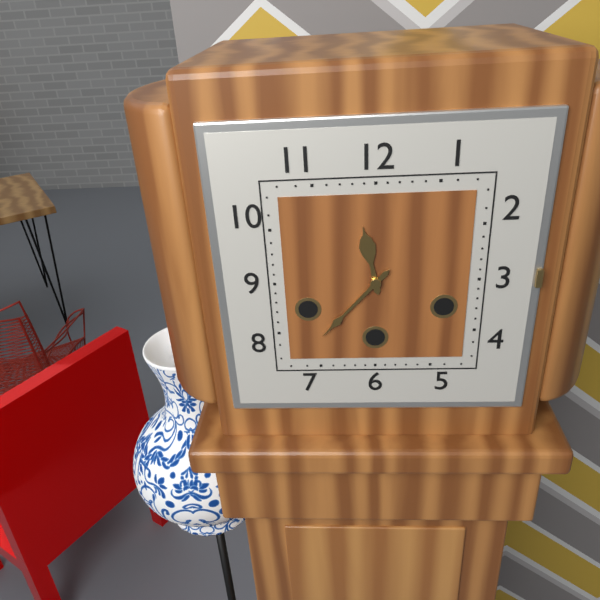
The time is h=11 m=37
